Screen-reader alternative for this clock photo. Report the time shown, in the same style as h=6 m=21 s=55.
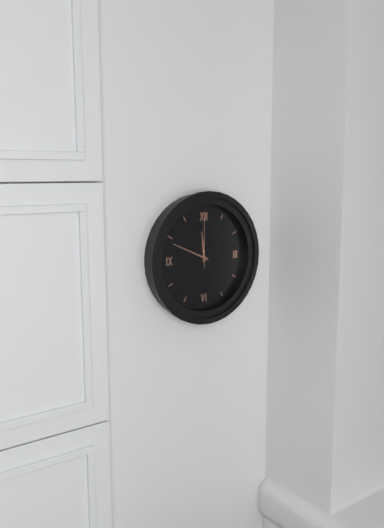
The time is h=11 m=49 s=0
